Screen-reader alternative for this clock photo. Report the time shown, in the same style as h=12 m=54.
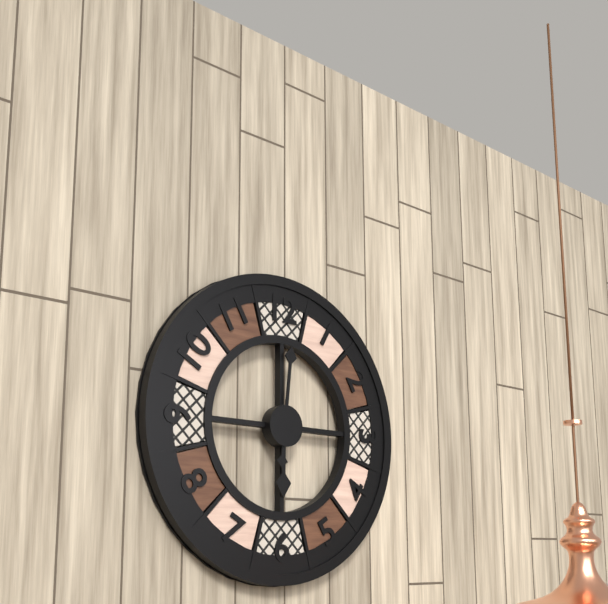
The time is h=6 m=1
